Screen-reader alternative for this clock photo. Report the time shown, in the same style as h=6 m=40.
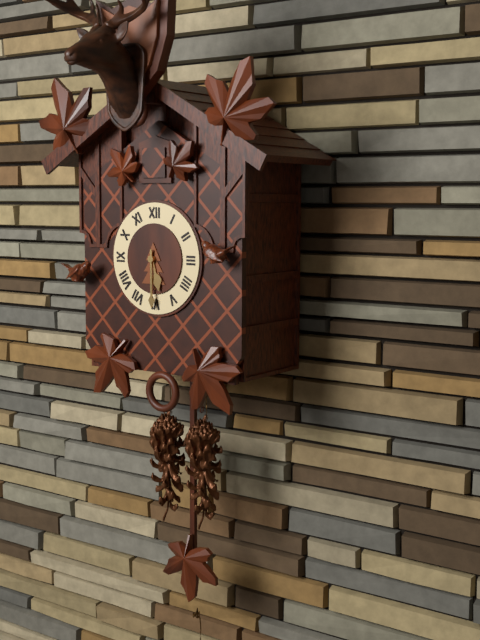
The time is h=5 m=30
